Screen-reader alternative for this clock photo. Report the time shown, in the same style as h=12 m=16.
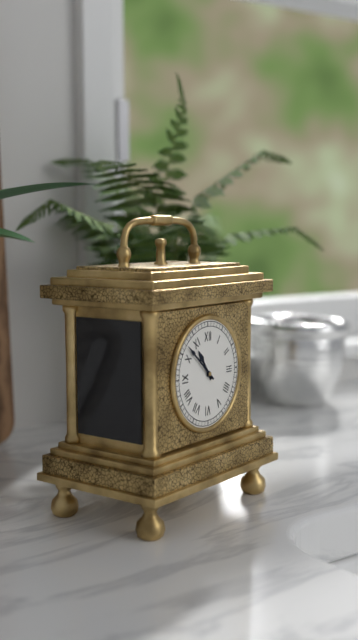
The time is h=10 m=52
